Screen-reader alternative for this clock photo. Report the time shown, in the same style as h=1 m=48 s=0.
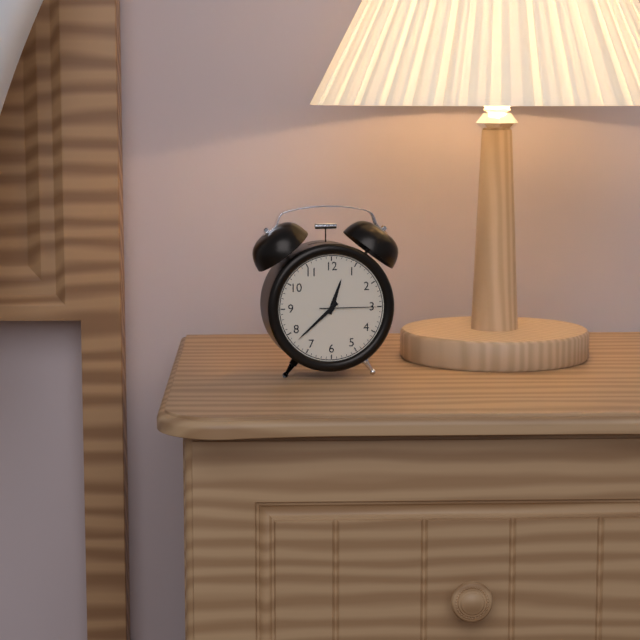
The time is h=12 m=38 s=15
